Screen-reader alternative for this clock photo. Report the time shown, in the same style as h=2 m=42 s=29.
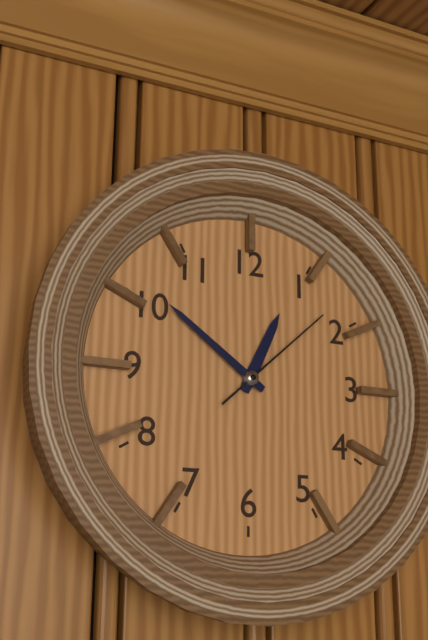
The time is h=12 m=51 s=8
